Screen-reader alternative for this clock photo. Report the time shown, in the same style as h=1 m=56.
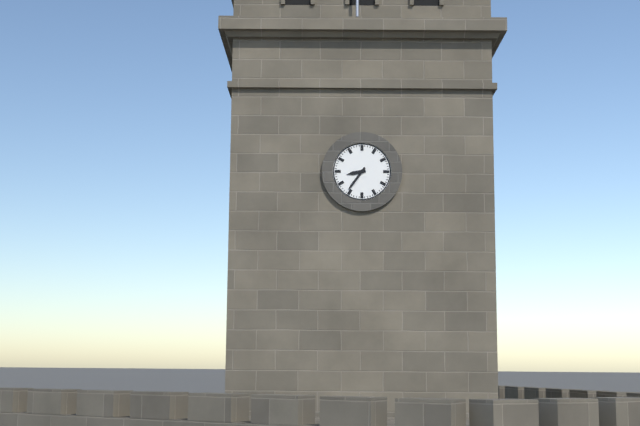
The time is h=8 m=36
